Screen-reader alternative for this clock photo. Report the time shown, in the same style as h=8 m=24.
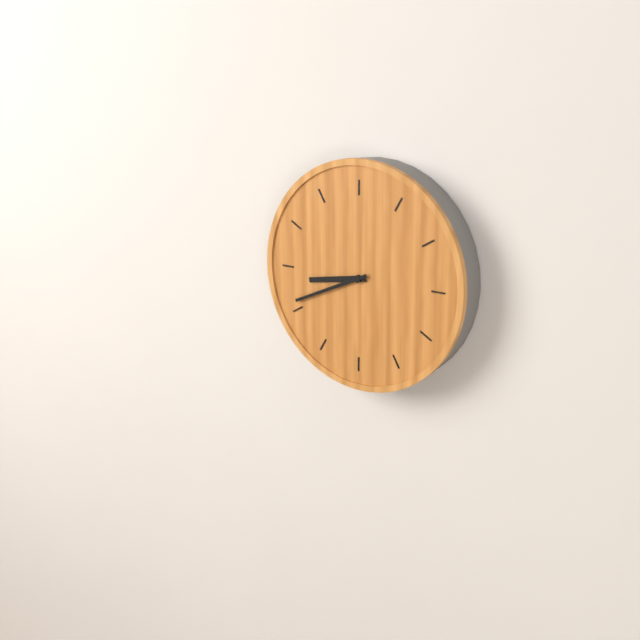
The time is h=8 m=41
